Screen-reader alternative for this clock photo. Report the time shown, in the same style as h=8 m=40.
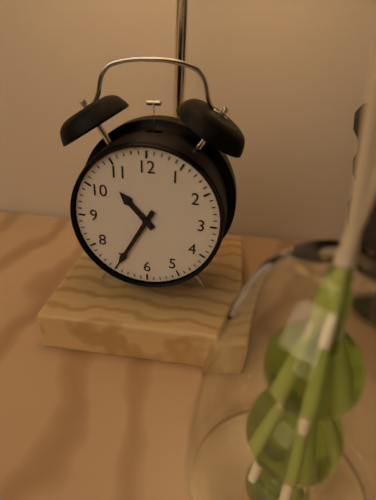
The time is h=10 m=35
